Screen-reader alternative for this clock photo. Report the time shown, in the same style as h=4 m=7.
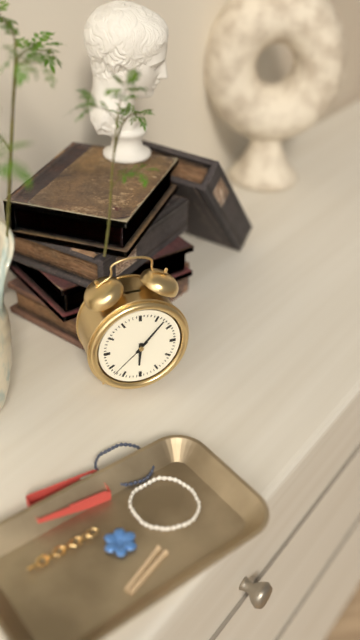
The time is h=6 m=7
